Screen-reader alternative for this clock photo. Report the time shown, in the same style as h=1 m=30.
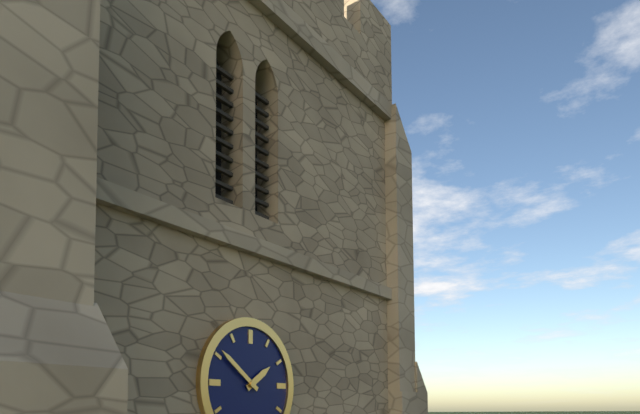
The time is h=1 m=51
